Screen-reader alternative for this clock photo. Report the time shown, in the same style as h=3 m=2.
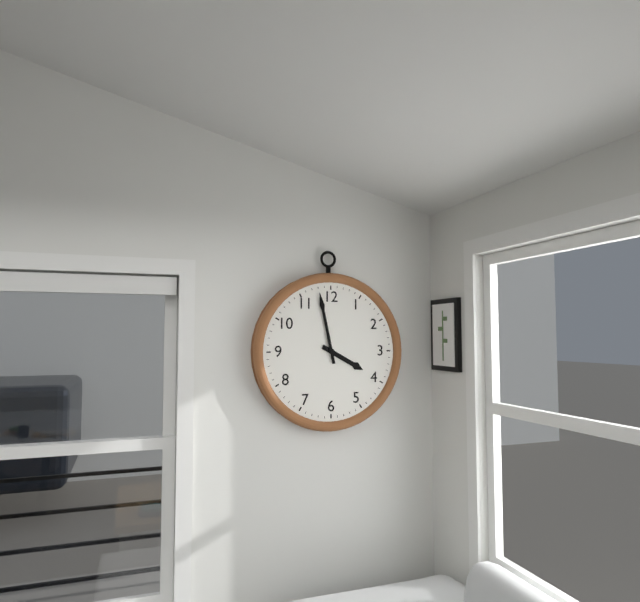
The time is h=3 m=58
